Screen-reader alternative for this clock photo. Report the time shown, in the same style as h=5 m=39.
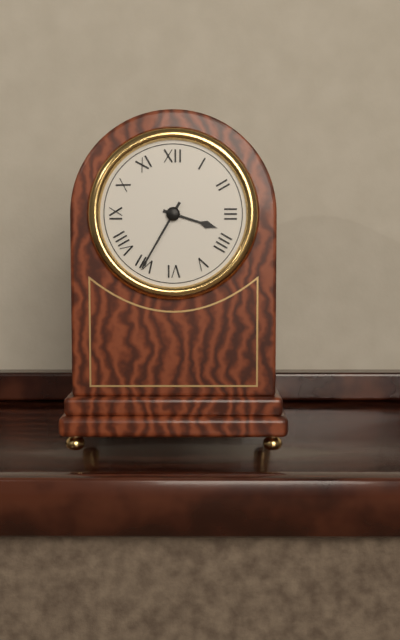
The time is h=3 m=35
